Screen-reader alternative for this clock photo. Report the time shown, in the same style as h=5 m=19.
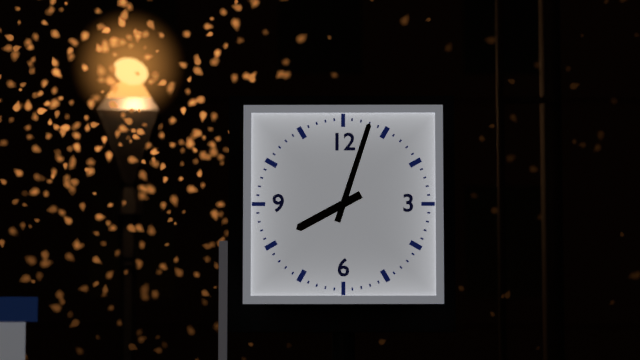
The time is h=8 m=3
